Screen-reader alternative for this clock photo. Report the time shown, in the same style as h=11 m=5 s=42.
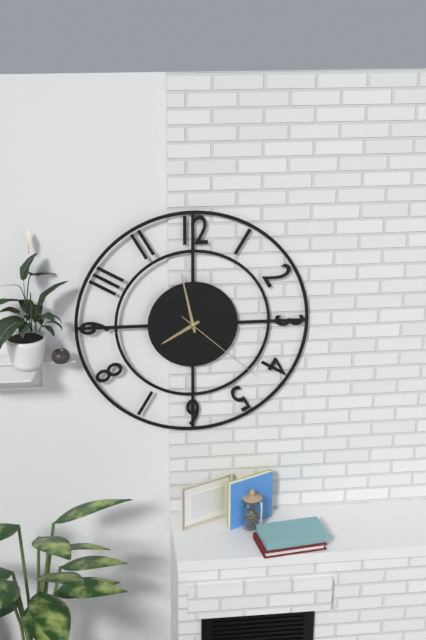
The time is h=7 m=58 s=22
